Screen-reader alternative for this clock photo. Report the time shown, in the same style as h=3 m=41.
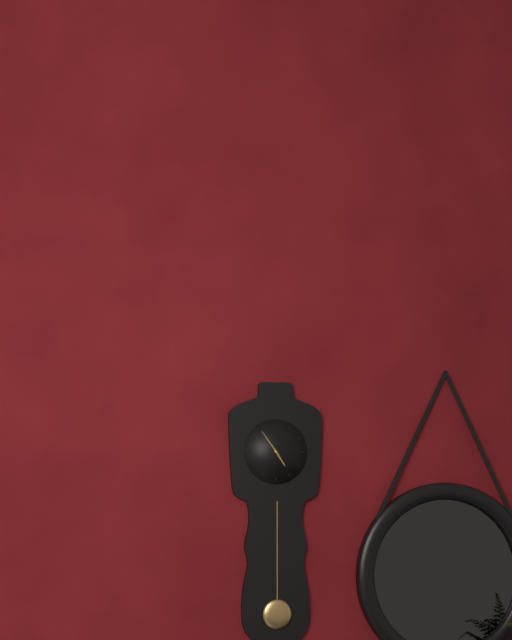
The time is h=4 m=54
